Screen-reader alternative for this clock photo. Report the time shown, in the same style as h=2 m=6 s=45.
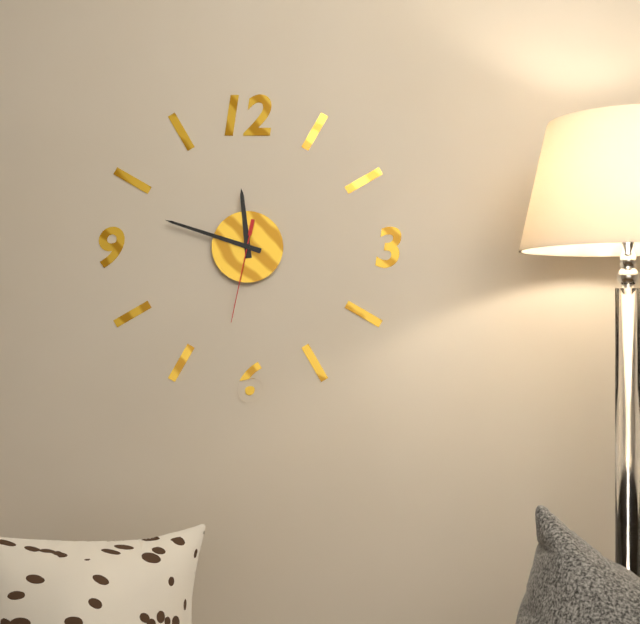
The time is h=11 m=48 s=32
